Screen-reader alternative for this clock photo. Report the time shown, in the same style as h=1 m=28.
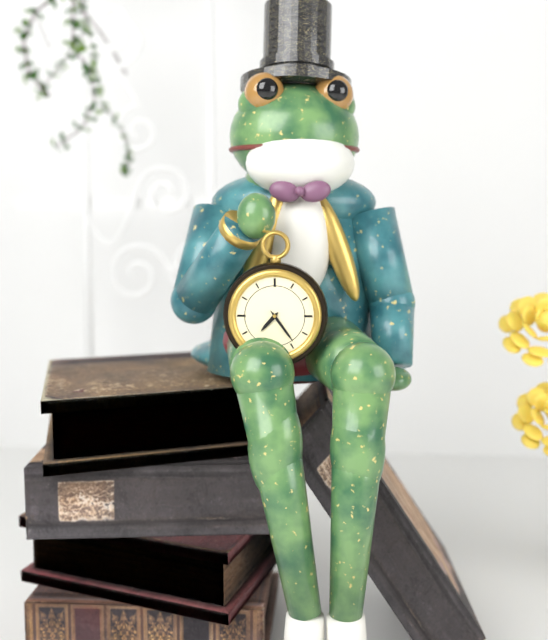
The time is h=7 m=24
